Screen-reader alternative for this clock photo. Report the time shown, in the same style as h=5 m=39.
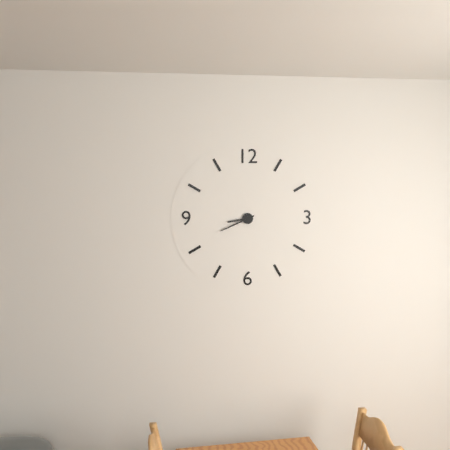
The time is h=8 m=41
